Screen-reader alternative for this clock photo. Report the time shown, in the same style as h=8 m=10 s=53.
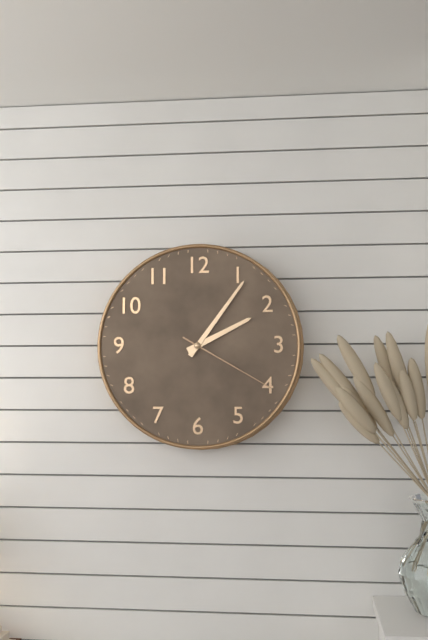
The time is h=2 m=6 s=20
